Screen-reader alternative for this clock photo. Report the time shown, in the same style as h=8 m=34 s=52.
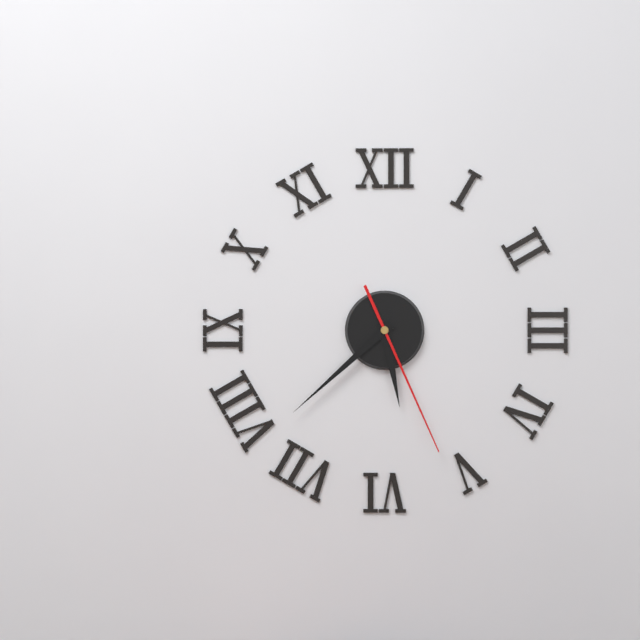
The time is h=5 m=38 s=26
